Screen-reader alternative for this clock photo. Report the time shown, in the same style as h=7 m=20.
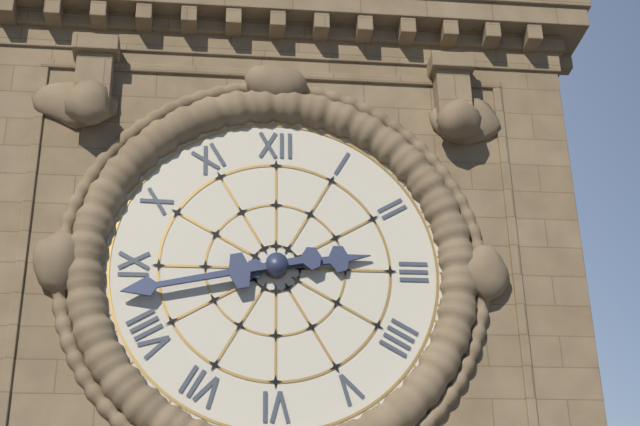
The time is h=2 m=43
